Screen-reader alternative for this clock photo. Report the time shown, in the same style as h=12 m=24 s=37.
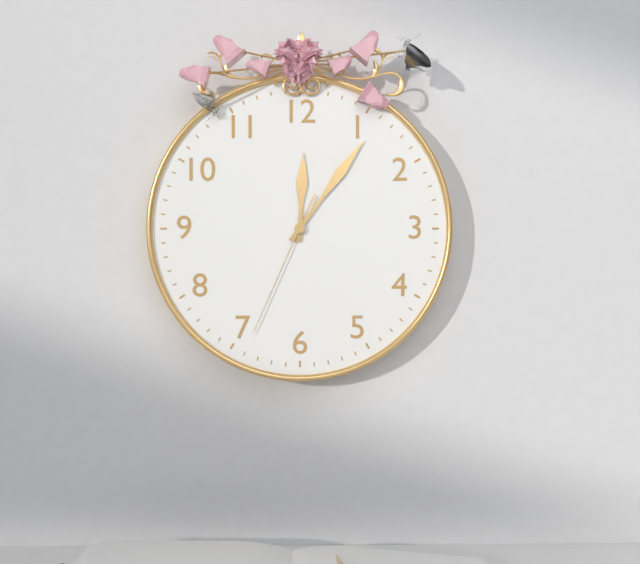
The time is h=12 m=6 s=34
